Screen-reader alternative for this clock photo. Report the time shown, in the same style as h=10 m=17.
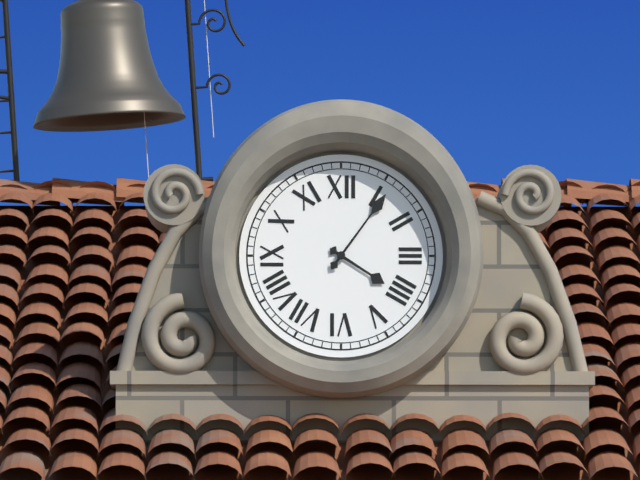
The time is h=4 m=6
